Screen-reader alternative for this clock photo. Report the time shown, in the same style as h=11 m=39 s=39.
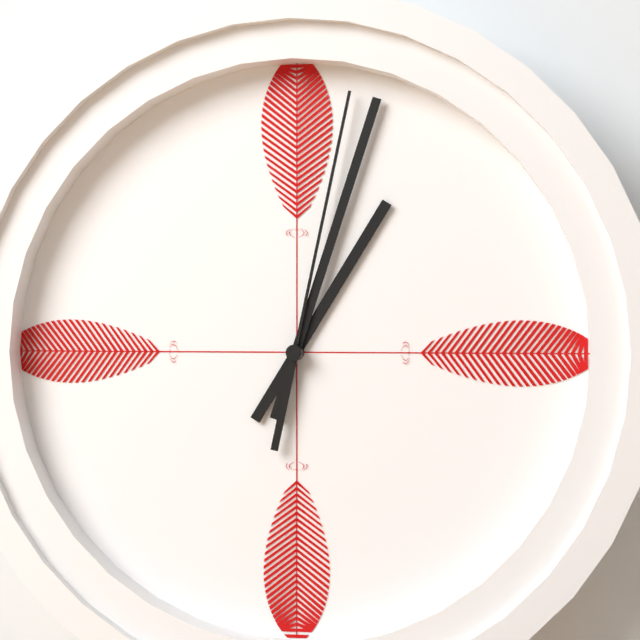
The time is h=1 m=3 s=2
